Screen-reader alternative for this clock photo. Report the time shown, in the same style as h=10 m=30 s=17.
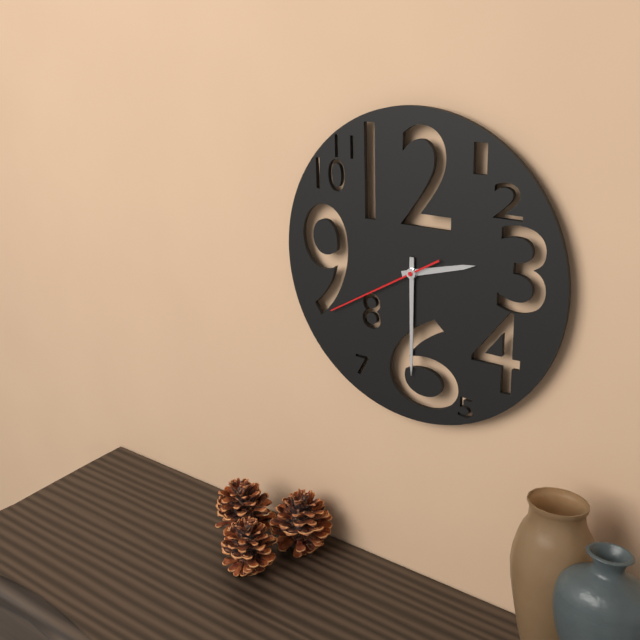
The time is h=2 m=30 s=40
